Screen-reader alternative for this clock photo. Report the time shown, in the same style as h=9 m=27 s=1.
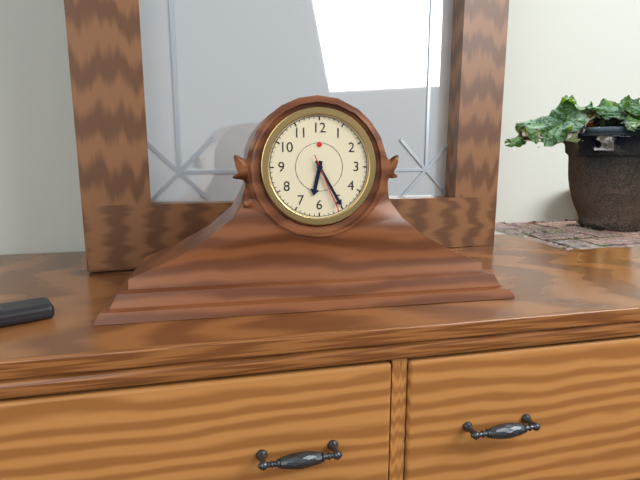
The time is h=6 m=25 s=26
